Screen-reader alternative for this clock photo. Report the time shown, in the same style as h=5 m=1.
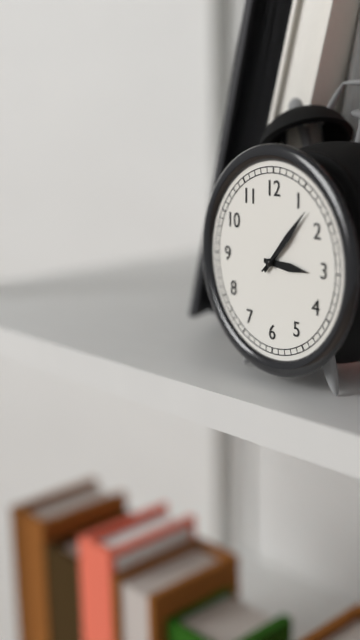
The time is h=3 m=7
